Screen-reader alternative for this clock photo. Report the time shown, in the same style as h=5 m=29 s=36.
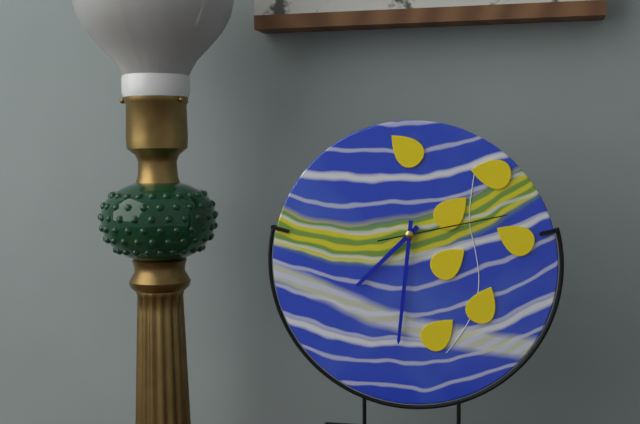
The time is h=7 m=31 s=13
